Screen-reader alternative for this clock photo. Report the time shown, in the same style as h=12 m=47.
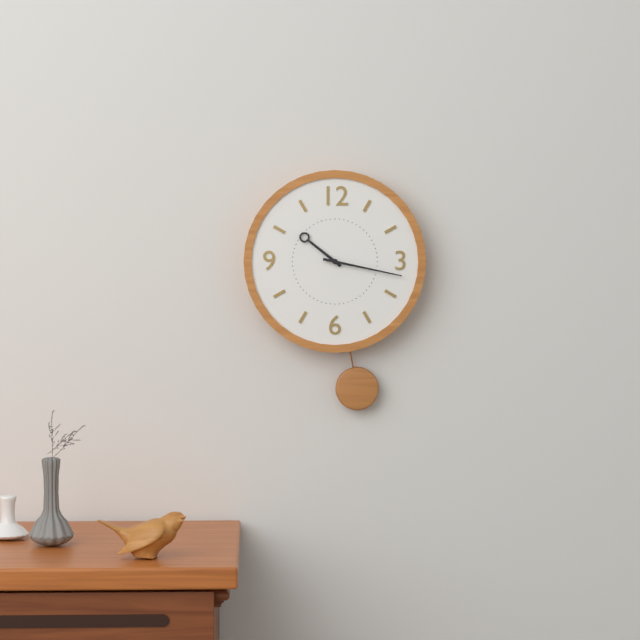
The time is h=10 m=17
